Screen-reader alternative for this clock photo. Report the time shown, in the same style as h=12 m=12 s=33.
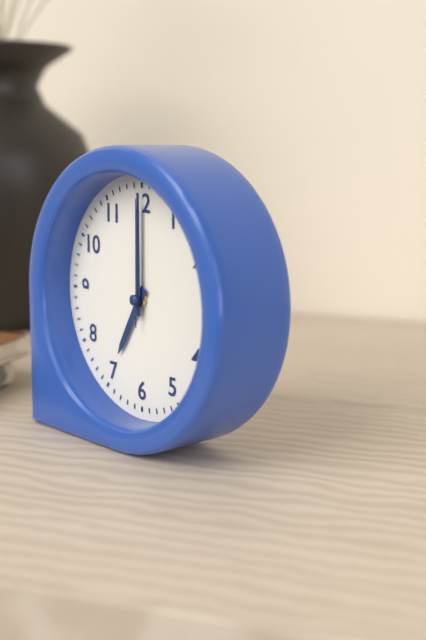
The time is h=7 m=0 s=0
